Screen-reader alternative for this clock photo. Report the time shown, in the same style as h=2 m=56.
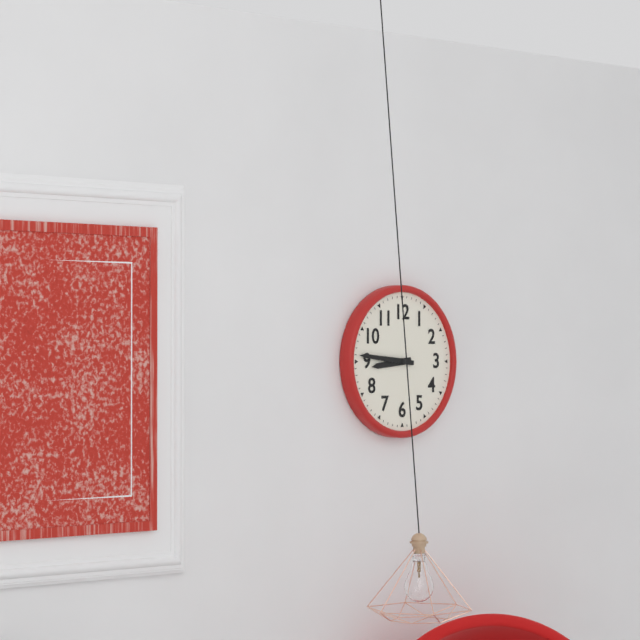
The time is h=8 m=46
